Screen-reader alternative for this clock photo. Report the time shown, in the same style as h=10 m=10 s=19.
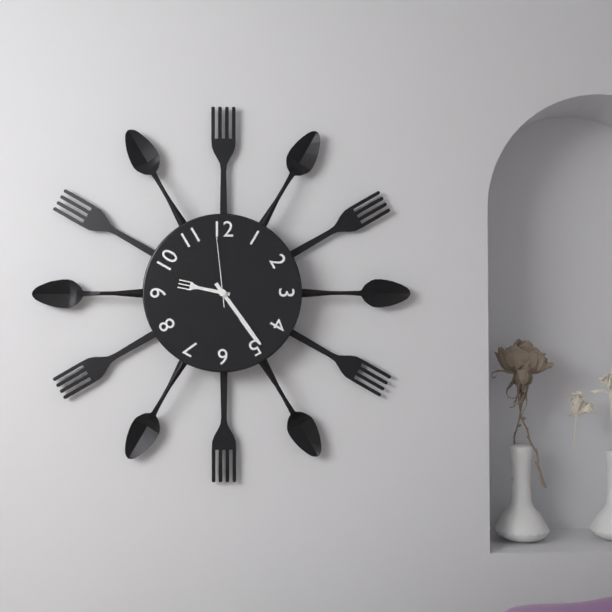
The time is h=9 m=24 s=59
